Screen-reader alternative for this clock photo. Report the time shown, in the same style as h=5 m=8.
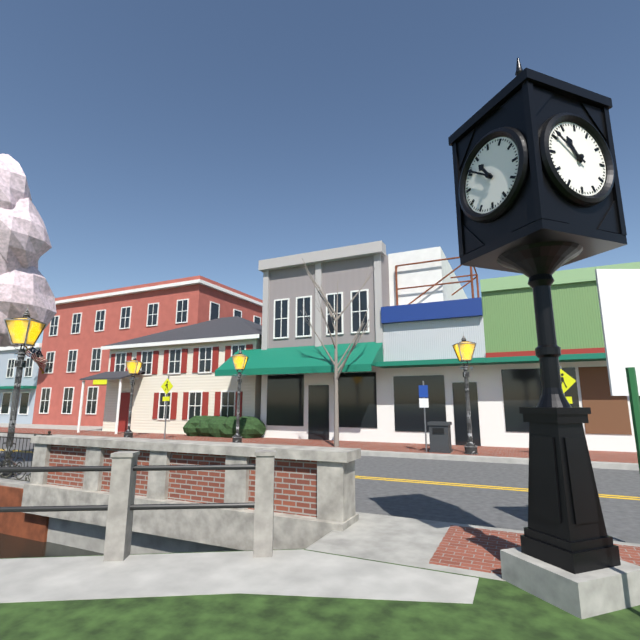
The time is h=10 m=51
